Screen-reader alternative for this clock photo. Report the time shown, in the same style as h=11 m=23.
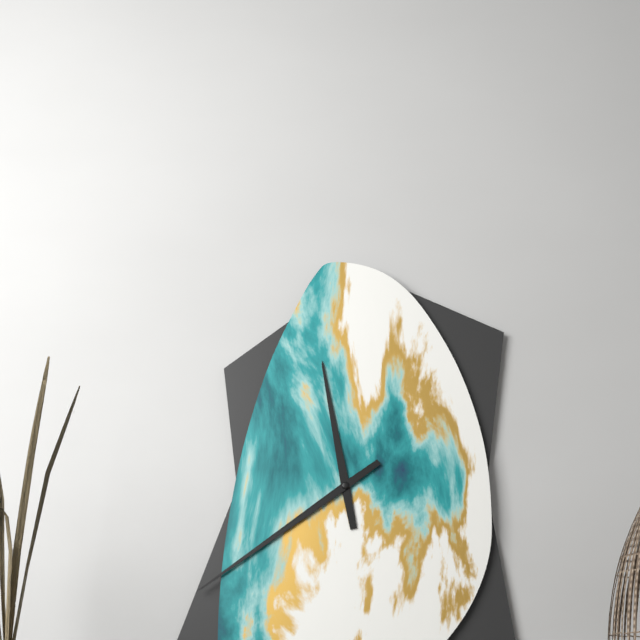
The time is h=11 m=39
